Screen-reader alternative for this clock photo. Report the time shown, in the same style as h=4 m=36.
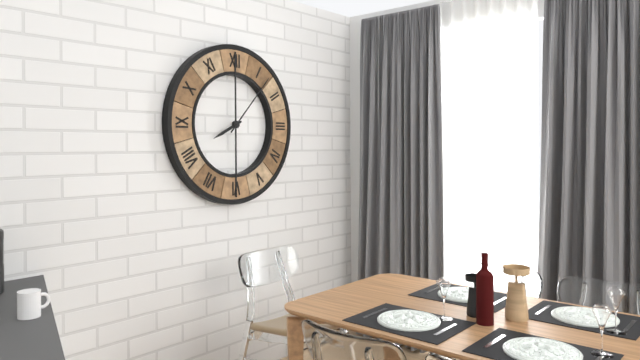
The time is h=8 m=7
